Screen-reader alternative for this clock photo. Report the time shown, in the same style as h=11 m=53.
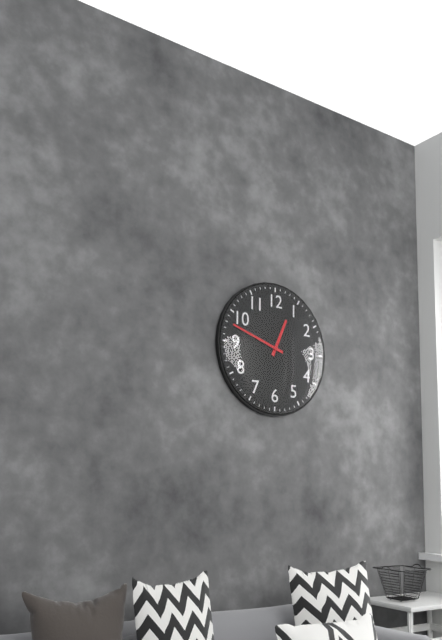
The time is h=12 m=48
